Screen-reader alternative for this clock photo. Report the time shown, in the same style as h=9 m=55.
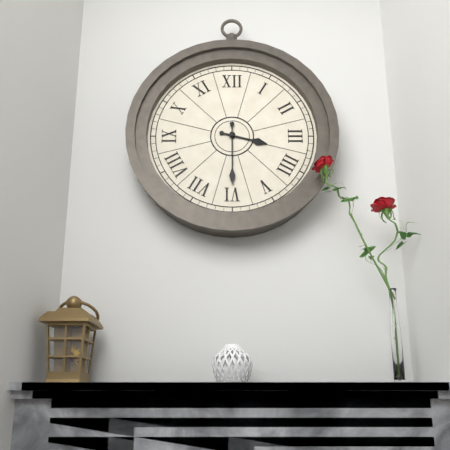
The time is h=3 m=30
